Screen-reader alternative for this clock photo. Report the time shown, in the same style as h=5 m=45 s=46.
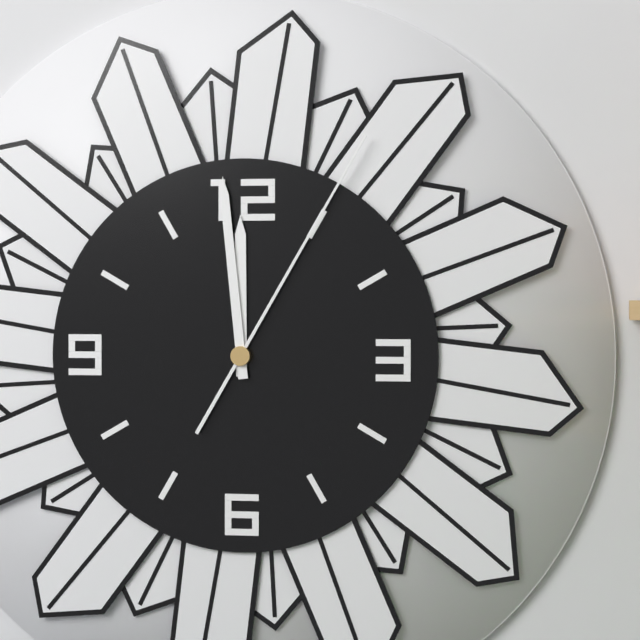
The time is h=11 m=59 s=5
